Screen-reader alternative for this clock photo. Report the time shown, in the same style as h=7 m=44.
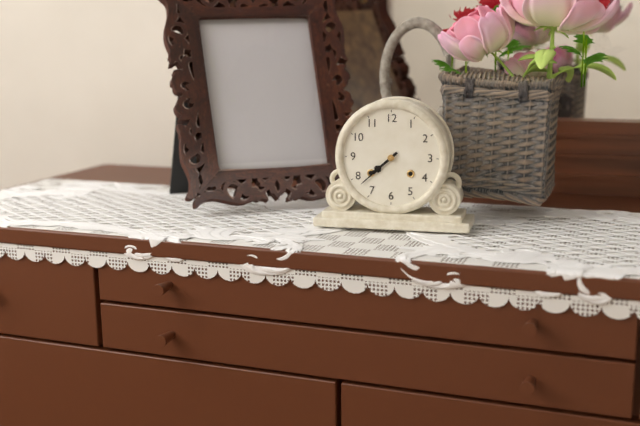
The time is h=7 m=38
